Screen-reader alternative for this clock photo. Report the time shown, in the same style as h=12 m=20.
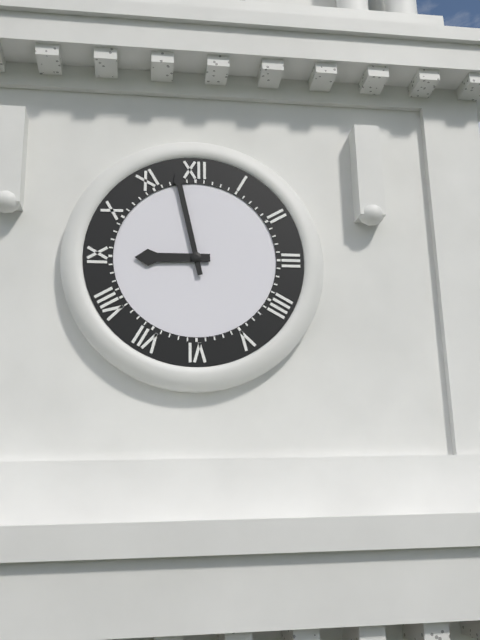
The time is h=8 m=58
